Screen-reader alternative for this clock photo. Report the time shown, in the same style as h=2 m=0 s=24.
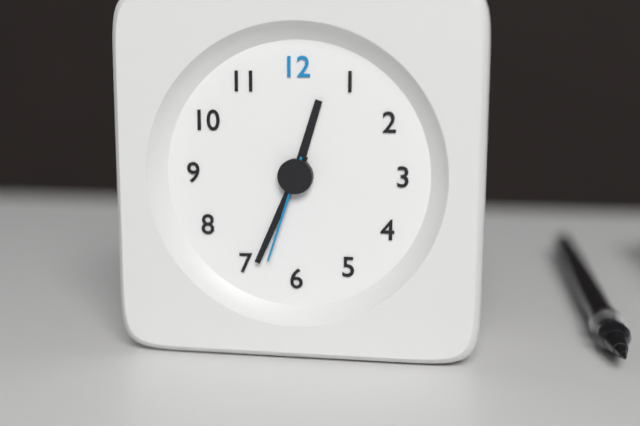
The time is h=12 m=34 s=33
